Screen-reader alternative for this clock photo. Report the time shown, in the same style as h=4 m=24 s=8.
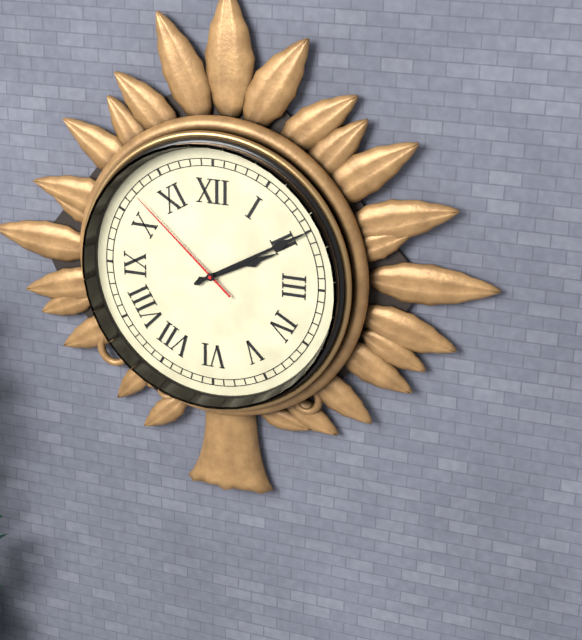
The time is h=2 m=10 s=52
